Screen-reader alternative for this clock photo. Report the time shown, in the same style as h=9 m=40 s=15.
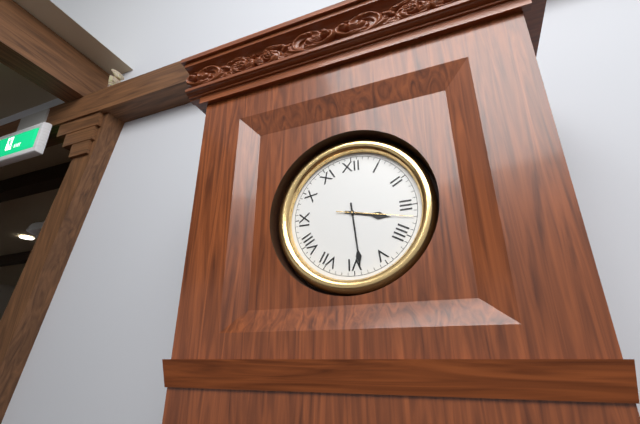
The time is h=3 m=29 s=17
